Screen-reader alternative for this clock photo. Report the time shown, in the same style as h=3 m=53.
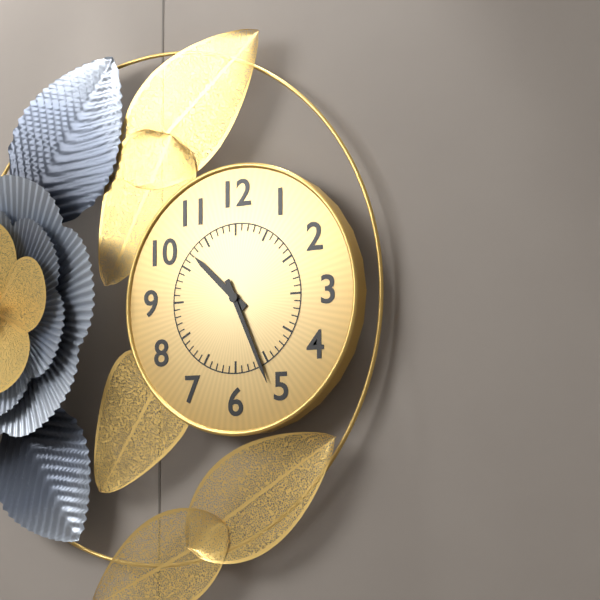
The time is h=10 m=26
